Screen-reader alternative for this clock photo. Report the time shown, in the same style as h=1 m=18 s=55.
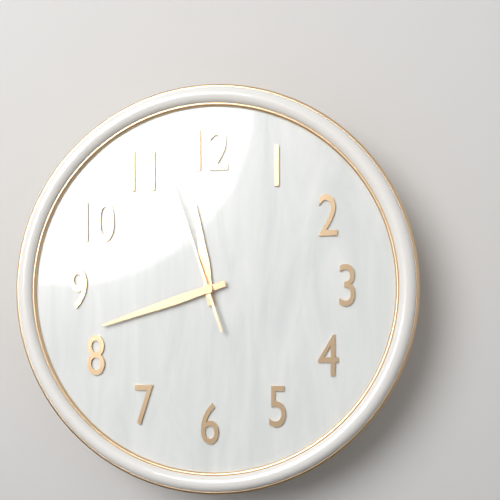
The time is h=11 m=42 s=57
